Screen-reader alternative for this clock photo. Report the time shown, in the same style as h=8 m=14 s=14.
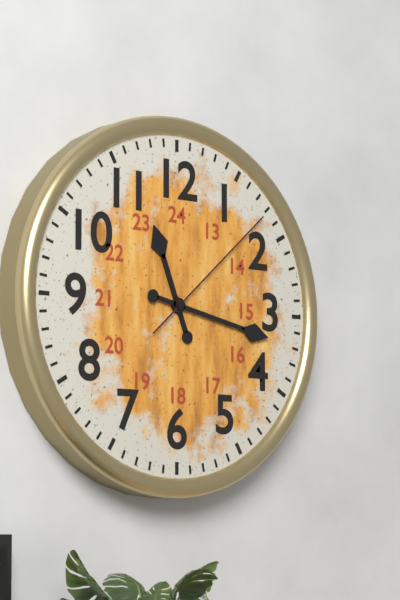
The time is h=11 m=17 s=8
